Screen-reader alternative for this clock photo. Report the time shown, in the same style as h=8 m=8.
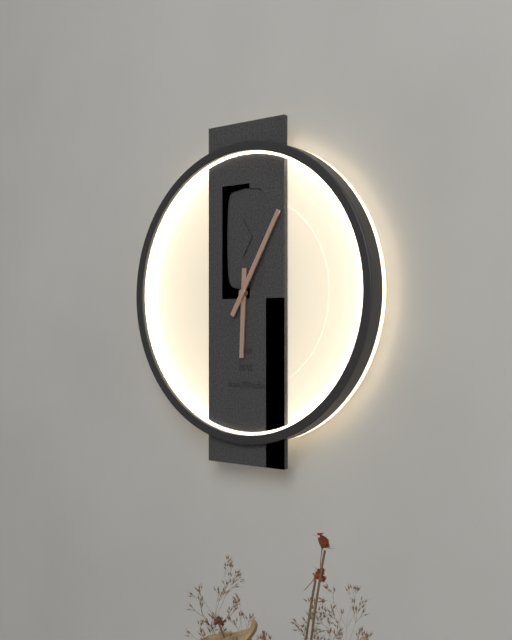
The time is h=6 m=5
